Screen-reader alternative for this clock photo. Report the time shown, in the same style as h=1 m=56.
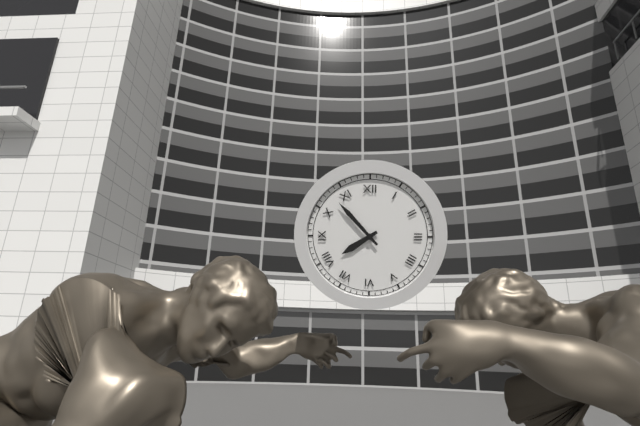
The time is h=7 m=53
